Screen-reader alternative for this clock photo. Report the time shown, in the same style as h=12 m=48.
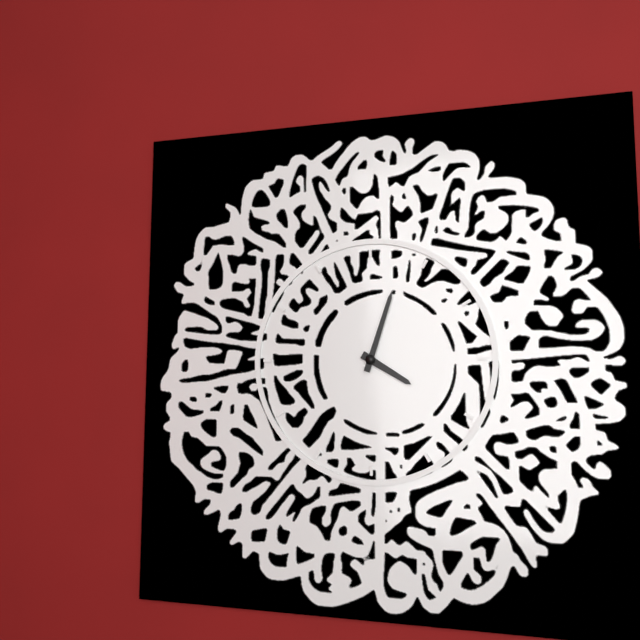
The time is h=4 m=3
